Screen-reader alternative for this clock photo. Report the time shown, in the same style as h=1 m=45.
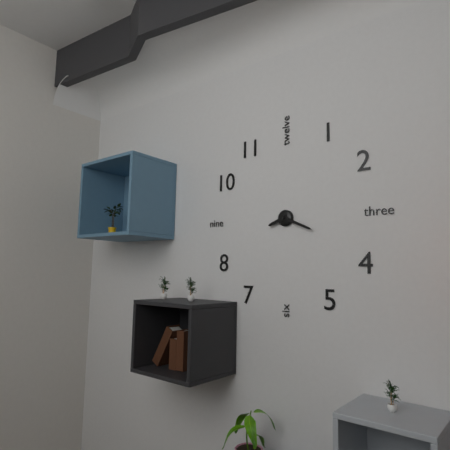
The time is h=8 m=19
